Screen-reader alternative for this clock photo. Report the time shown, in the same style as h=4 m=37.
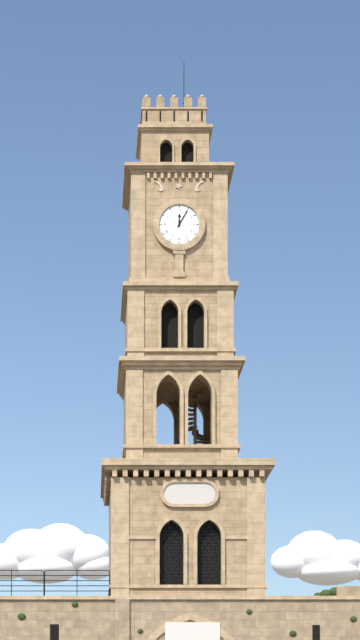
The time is h=12 m=5
